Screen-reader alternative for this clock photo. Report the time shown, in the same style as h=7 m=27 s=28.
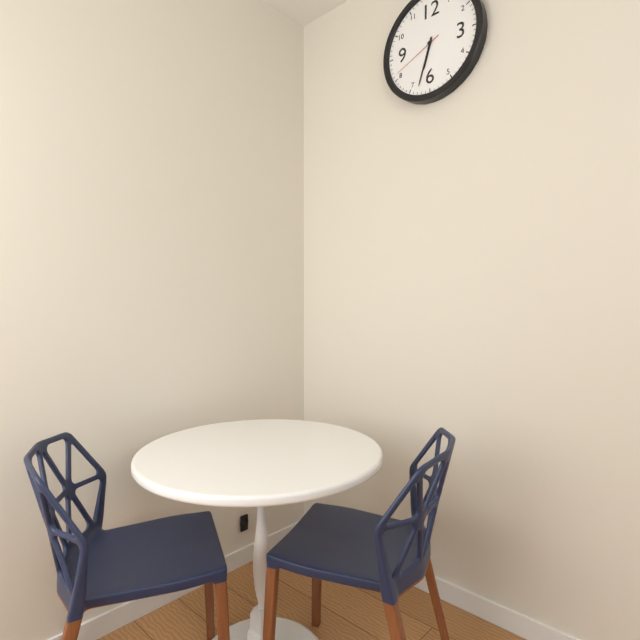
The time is h=6 m=33 s=41
